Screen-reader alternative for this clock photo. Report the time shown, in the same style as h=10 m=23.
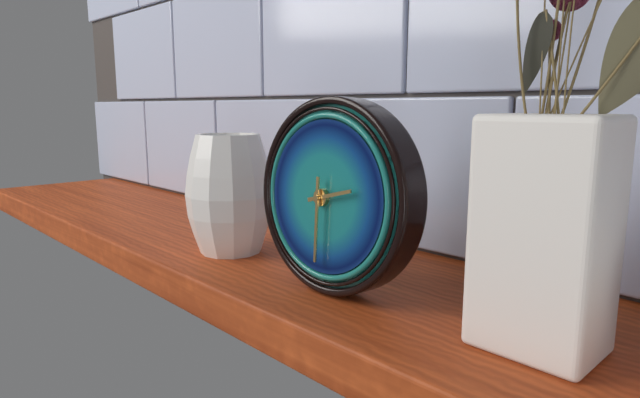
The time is h=2 m=30
